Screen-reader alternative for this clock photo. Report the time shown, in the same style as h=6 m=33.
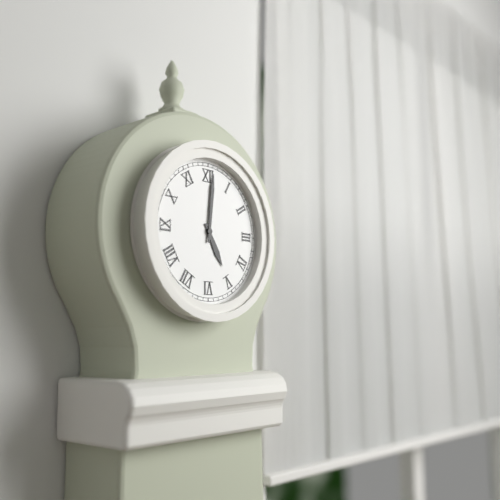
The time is h=5 m=1
